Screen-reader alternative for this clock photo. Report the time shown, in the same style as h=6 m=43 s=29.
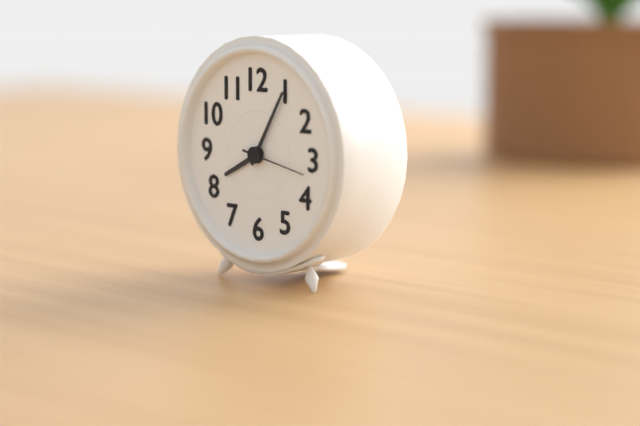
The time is h=8 m=5 s=17
